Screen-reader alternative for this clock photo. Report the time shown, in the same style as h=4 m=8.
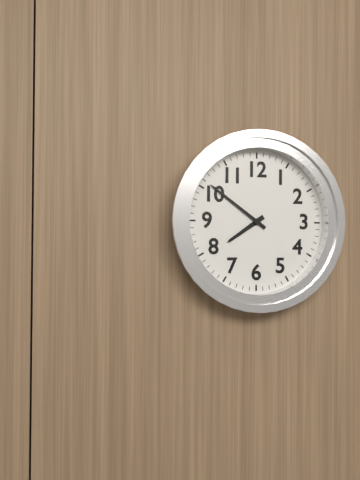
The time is h=7 m=51
